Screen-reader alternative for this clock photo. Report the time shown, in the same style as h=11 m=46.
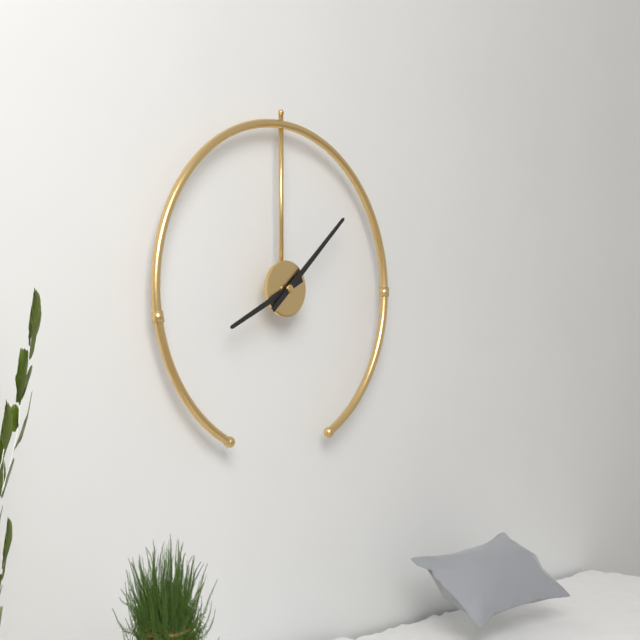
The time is h=8 m=8
